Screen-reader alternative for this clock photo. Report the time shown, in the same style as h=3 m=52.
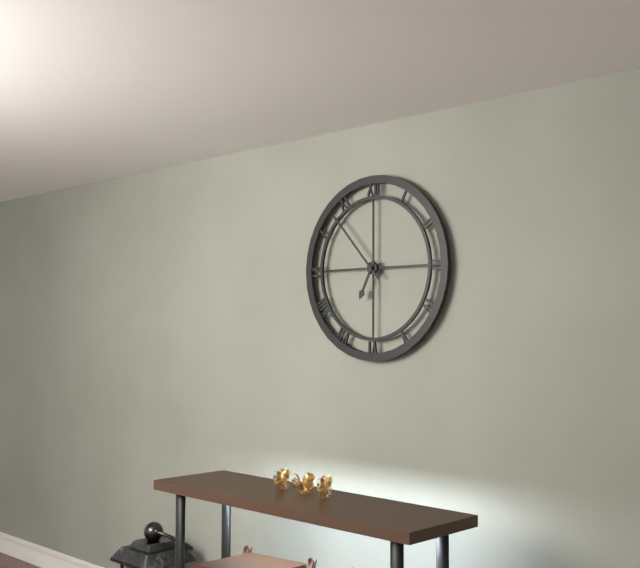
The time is h=6 m=53
